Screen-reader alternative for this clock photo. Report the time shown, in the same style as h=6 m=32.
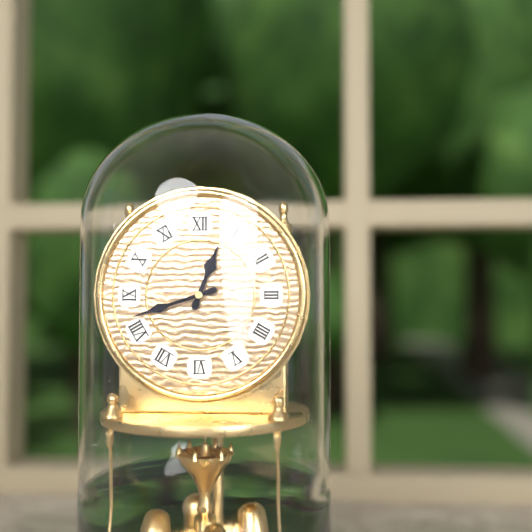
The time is h=12 m=42
